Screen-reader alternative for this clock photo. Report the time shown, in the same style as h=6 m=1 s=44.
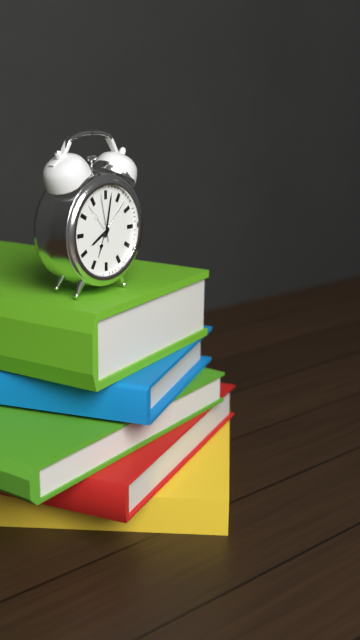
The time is h=8 m=2 s=58
